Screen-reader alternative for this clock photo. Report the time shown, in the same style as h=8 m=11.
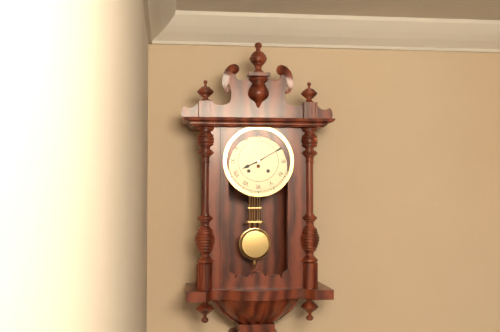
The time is h=8 m=10
